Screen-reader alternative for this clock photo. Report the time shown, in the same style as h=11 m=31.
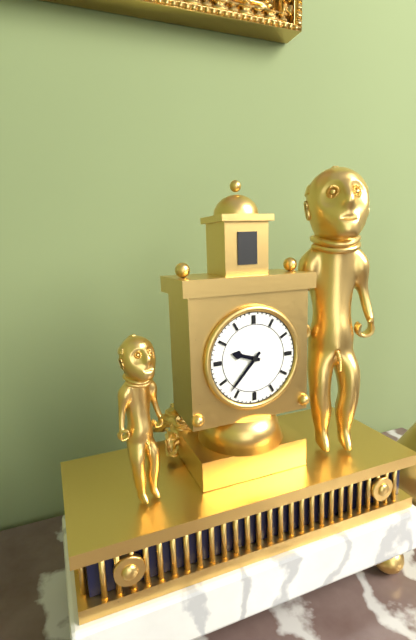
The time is h=9 m=37
